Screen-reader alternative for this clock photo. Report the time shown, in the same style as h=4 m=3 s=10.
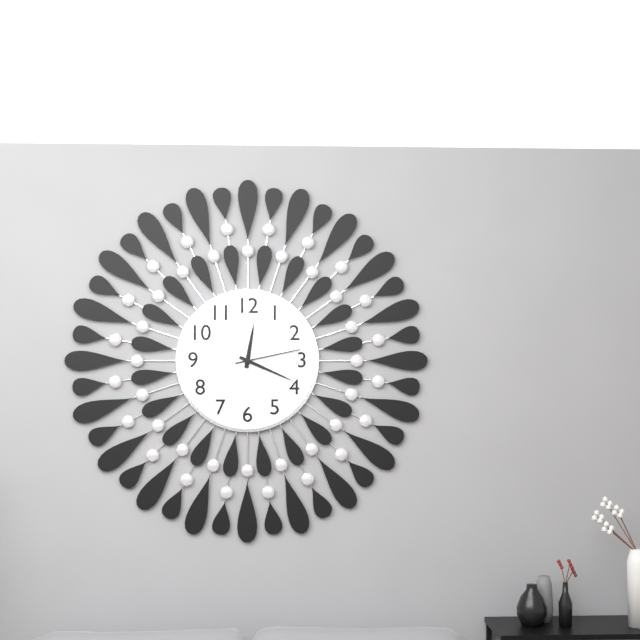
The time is h=12 m=19 s=13
